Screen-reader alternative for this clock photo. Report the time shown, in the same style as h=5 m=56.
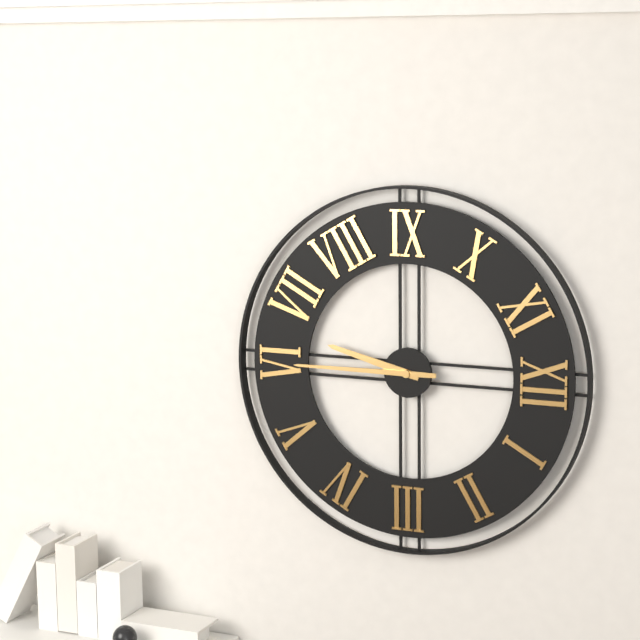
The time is h=6 m=30
